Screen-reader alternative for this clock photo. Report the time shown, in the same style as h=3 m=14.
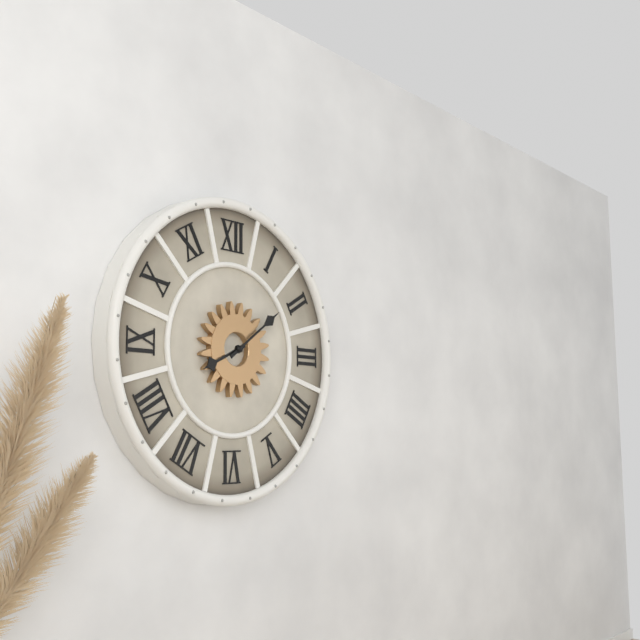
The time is h=8 m=9
